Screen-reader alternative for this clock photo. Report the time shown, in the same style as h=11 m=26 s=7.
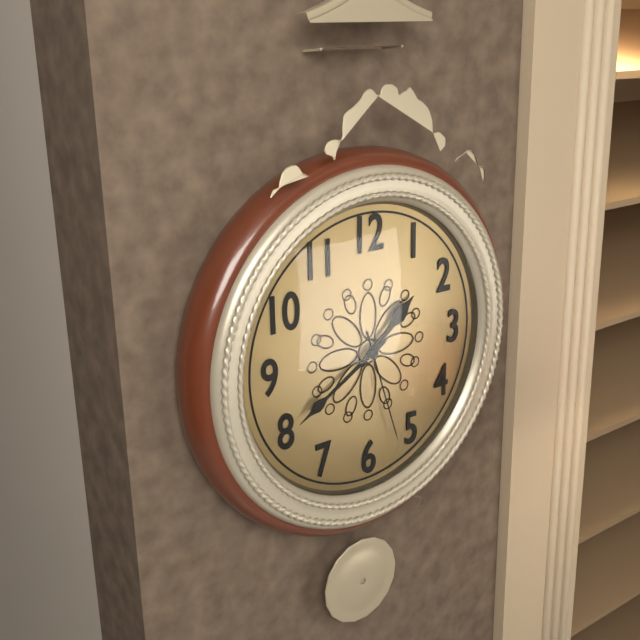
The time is h=1 m=40 s=27
